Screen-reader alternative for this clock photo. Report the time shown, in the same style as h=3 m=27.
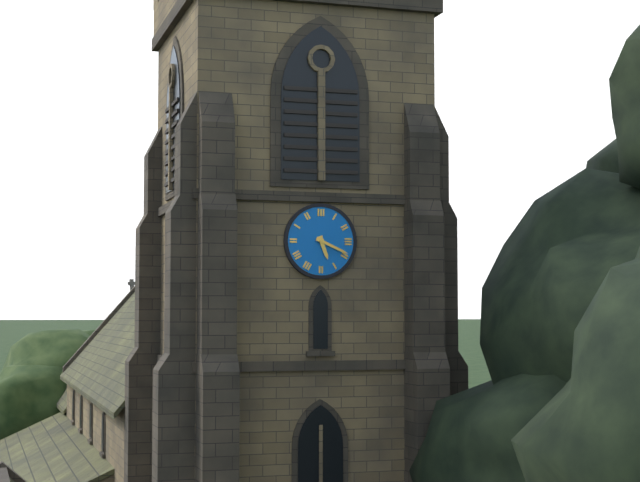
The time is h=5 m=19
